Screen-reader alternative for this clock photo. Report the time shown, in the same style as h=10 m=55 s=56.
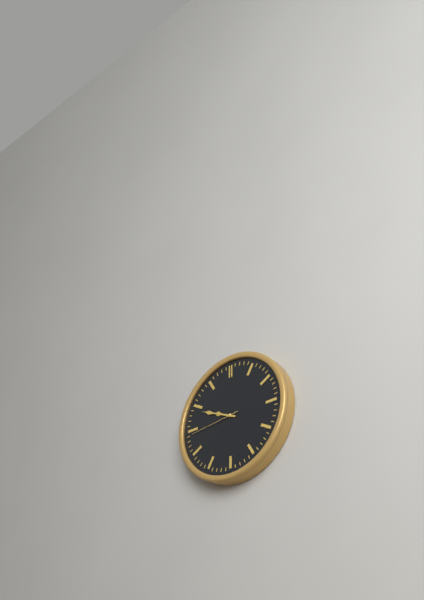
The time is h=9 m=49 s=44
